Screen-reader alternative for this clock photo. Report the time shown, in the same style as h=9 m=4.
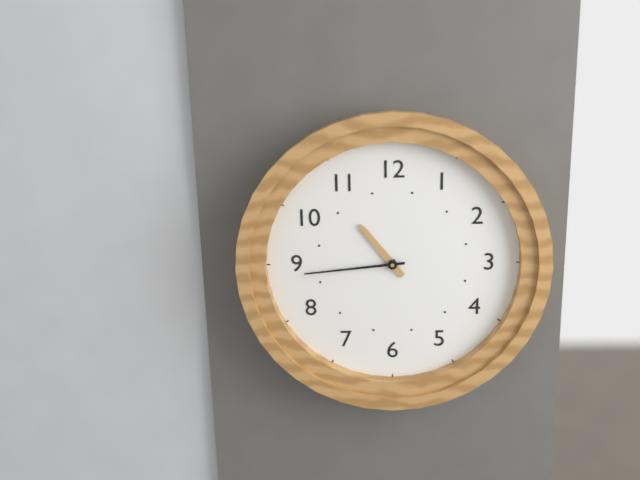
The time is h=10 m=44
